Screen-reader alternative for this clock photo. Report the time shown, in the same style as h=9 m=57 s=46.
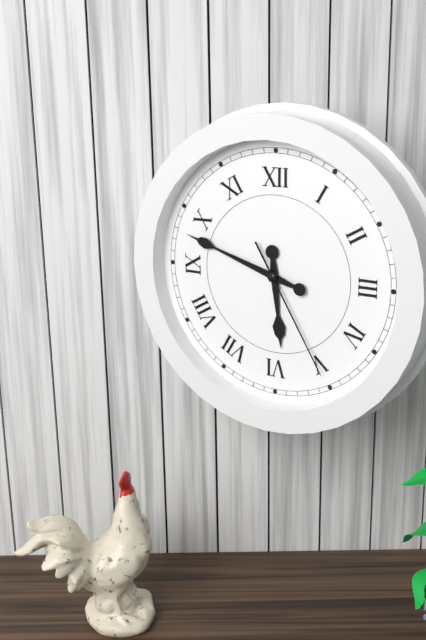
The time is h=5 m=48 s=25
